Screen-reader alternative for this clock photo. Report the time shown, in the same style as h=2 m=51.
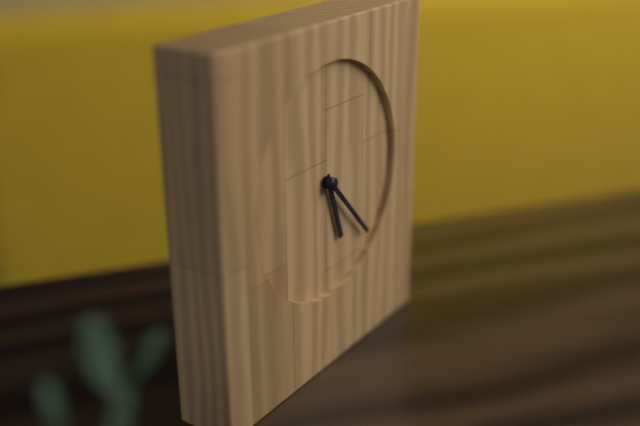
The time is h=5 m=23
